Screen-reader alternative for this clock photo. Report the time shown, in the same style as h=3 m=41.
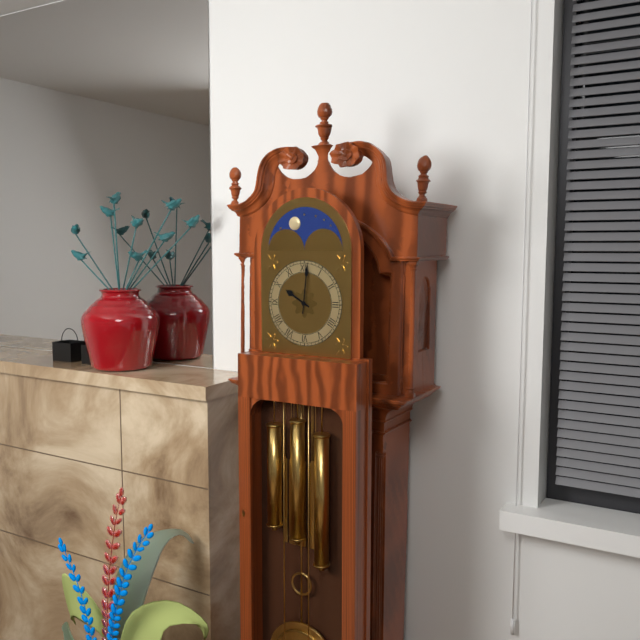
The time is h=10 m=1
